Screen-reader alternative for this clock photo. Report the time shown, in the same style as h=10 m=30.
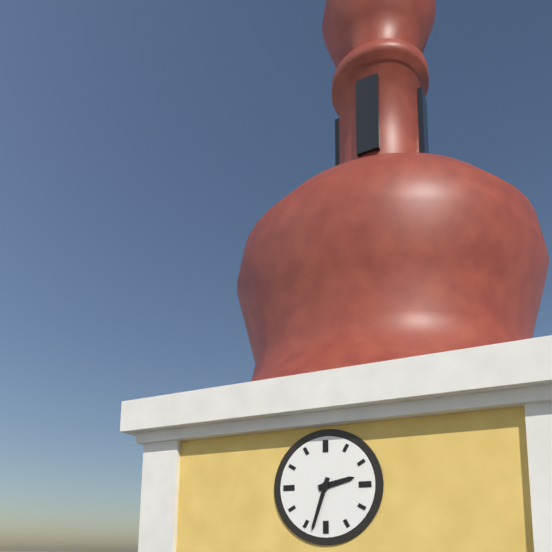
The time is h=2 m=33
